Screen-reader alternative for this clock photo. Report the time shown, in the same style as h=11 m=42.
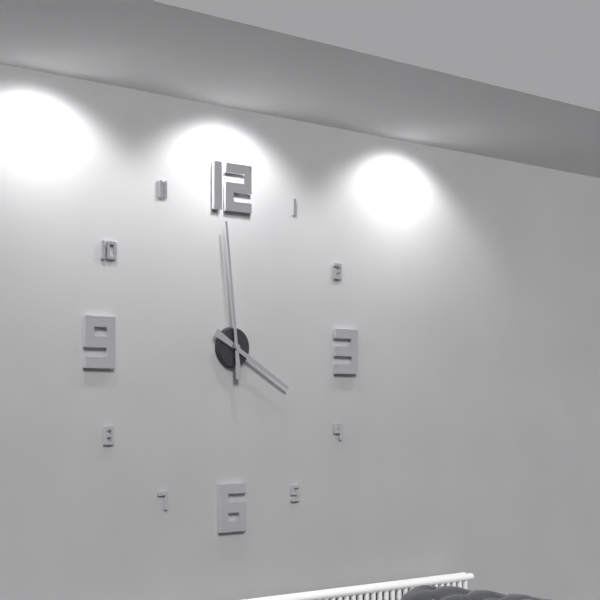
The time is h=3 m=59
